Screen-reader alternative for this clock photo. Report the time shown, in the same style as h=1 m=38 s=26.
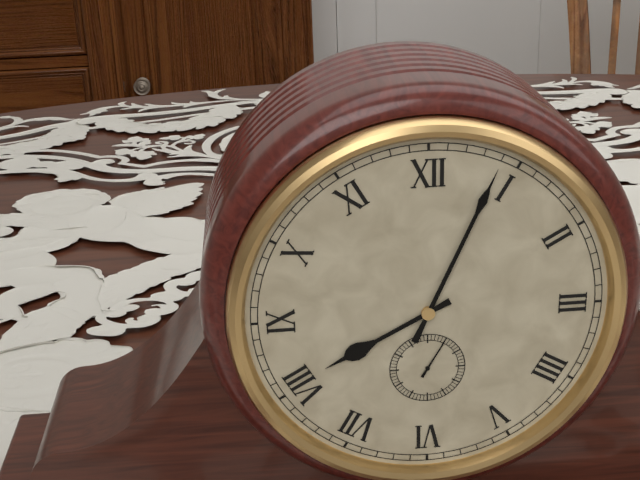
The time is h=8 m=4 s=5
